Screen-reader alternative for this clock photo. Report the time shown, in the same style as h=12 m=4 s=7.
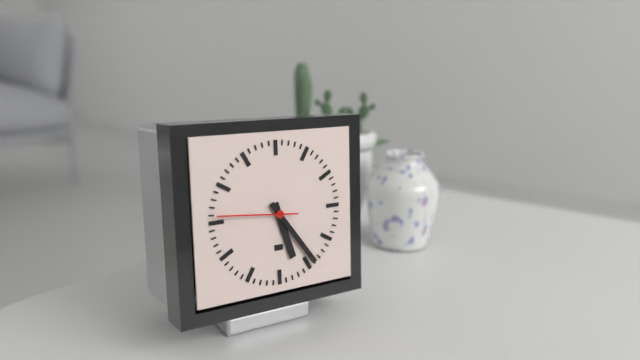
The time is h=5 m=24 s=46
